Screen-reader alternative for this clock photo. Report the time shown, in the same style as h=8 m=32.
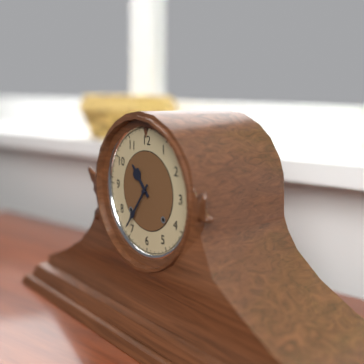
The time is h=10 m=36
